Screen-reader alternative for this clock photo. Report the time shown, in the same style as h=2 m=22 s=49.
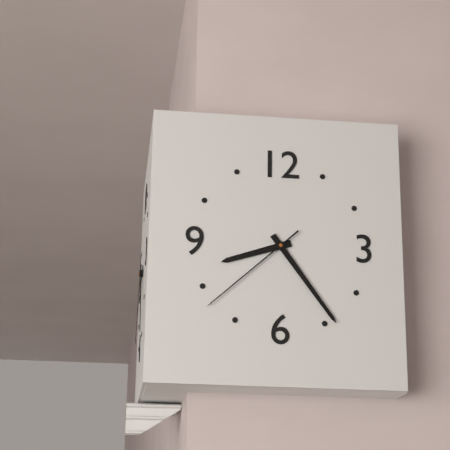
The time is h=8 m=24 s=38
